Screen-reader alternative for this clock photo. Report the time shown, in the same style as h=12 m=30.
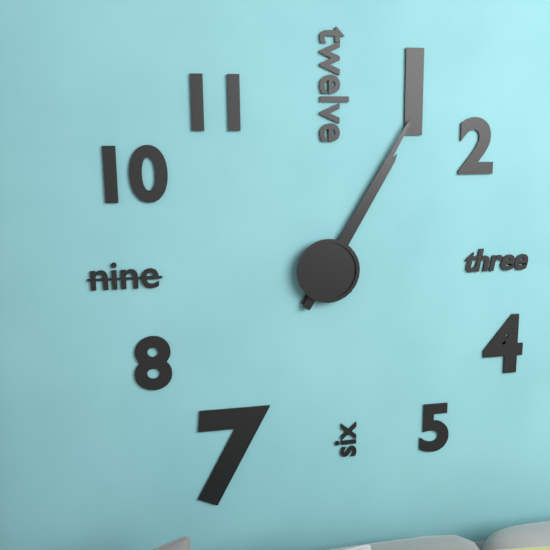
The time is h=1 m=5
